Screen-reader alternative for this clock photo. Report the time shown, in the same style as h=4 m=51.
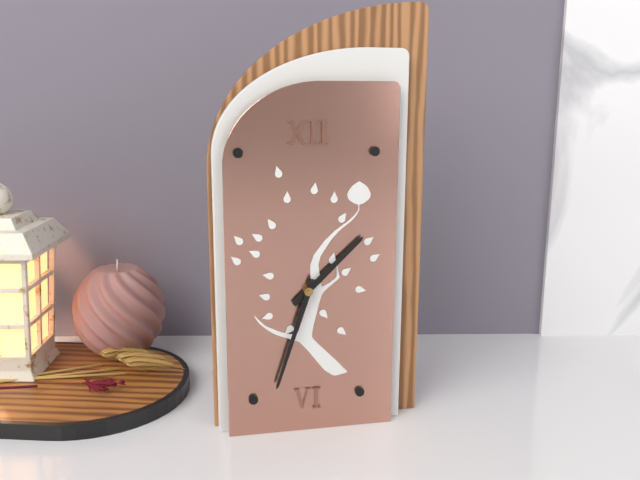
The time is h=1 m=33
